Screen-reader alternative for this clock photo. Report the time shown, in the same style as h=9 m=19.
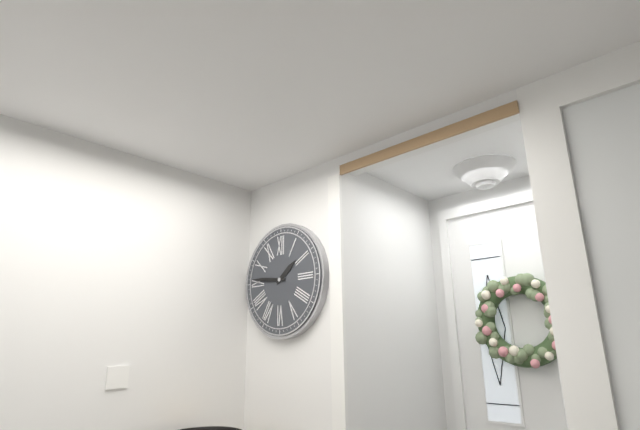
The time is h=1 m=46
